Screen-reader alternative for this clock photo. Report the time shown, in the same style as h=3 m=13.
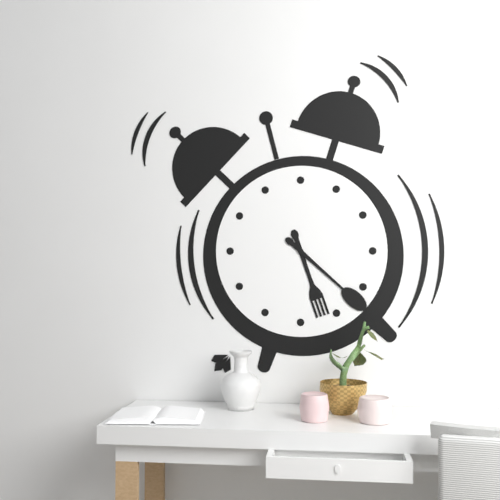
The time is h=5 m=22
